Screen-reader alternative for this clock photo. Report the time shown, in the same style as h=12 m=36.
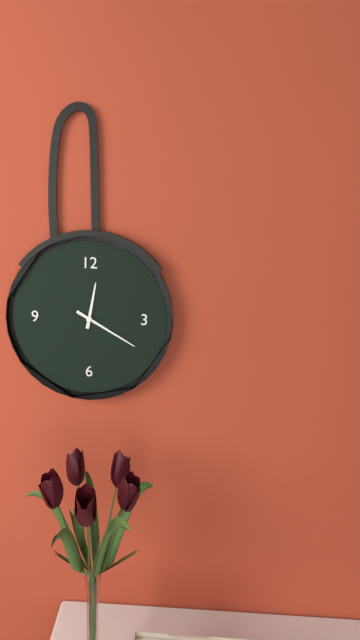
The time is h=12 m=20
